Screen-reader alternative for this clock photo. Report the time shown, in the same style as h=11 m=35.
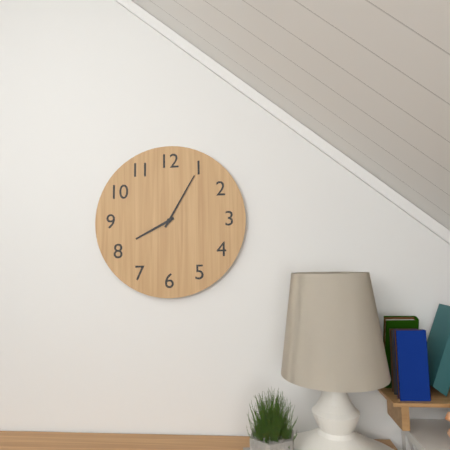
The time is h=8 m=5
